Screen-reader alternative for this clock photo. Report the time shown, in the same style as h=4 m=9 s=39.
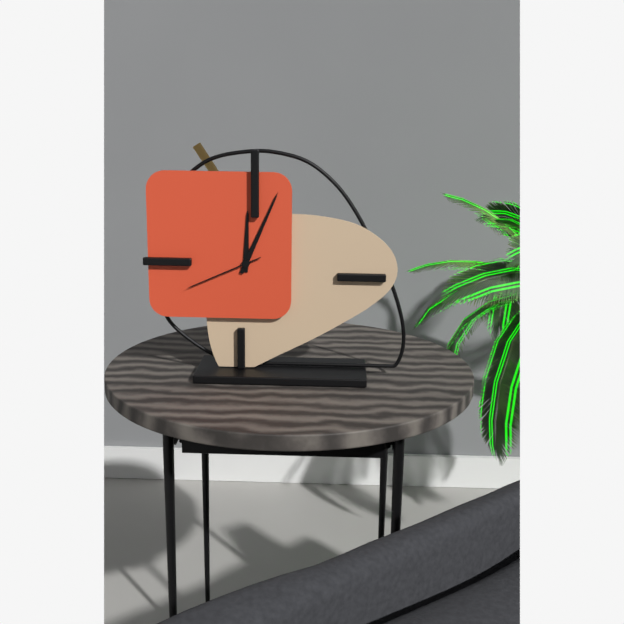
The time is h=12 m=4 s=41
